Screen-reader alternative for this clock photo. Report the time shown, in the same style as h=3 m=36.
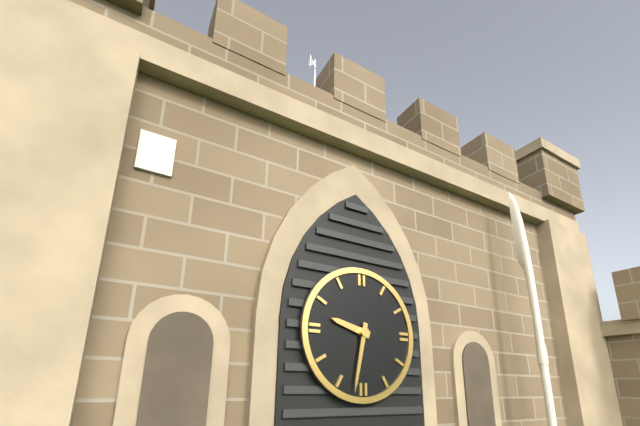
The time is h=9 m=32
